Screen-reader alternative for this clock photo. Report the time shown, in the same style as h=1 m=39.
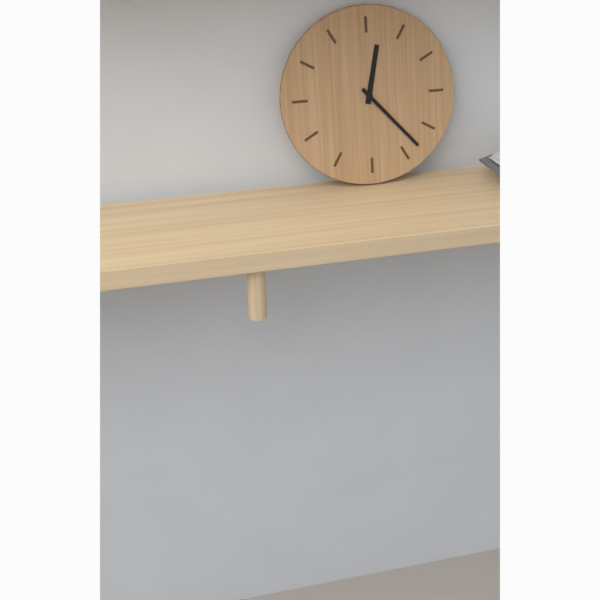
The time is h=12 m=23
